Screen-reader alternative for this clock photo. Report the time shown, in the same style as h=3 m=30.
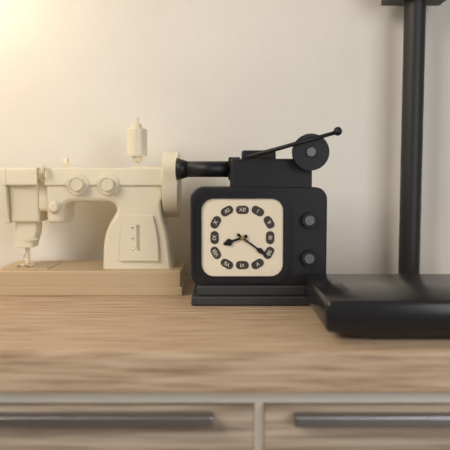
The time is h=8 m=21
